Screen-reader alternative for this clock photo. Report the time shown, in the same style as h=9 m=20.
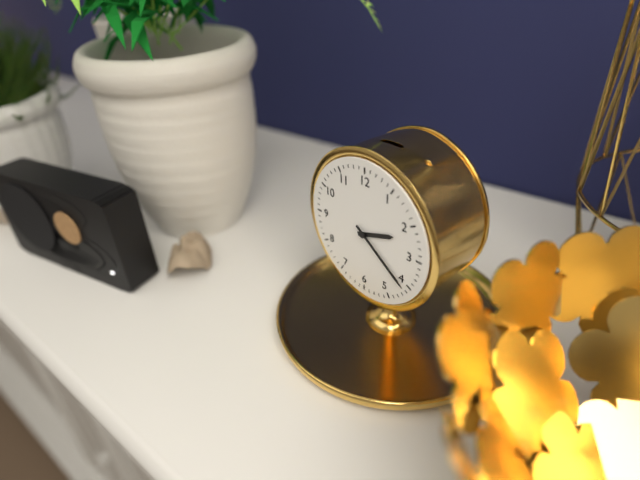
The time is h=2 m=21
